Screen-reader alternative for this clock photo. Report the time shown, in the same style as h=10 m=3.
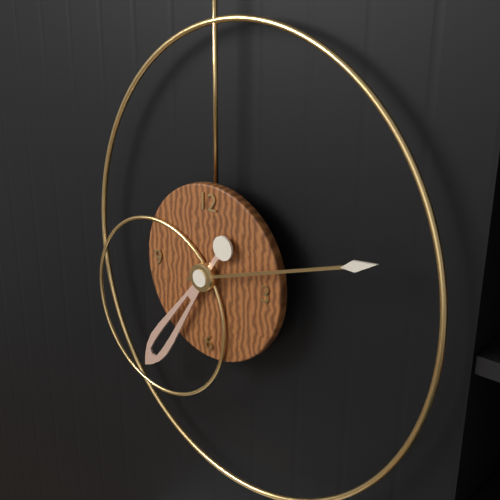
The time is h=7 m=12
